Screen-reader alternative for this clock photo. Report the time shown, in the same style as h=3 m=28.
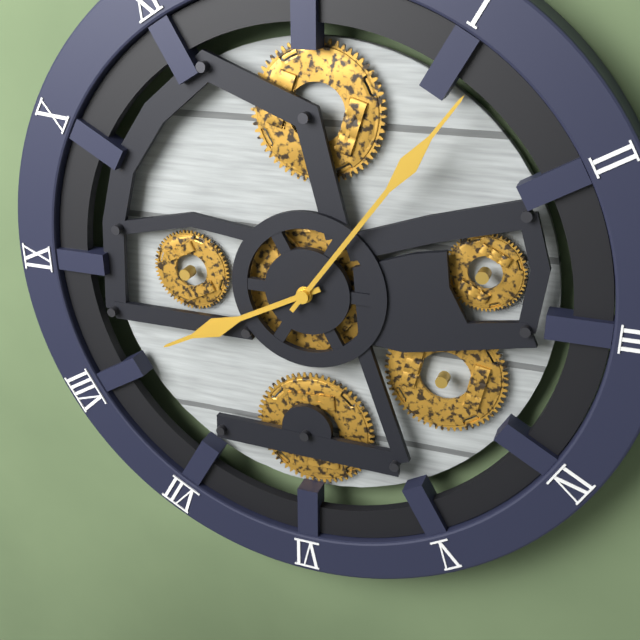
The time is h=8 m=6
